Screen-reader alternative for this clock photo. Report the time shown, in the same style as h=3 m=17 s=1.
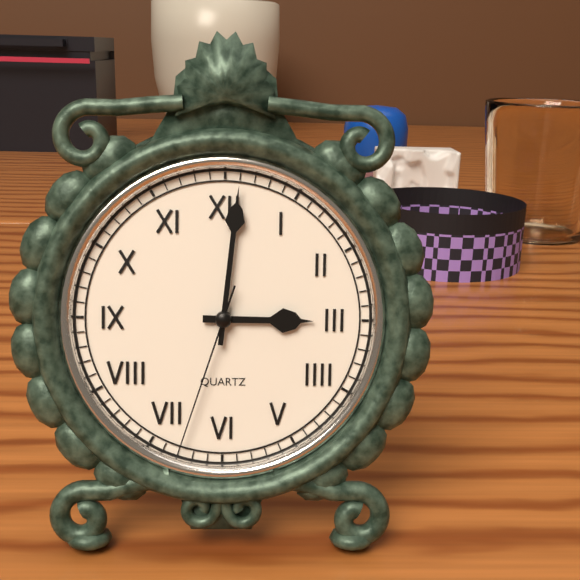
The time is h=3 m=1 s=33
